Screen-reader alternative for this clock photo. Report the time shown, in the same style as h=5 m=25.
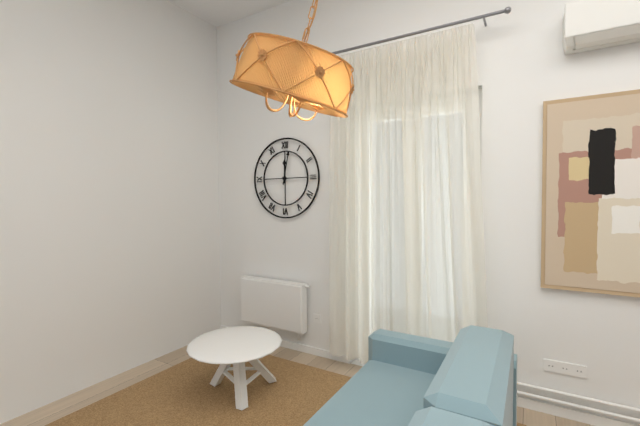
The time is h=12 m=2
